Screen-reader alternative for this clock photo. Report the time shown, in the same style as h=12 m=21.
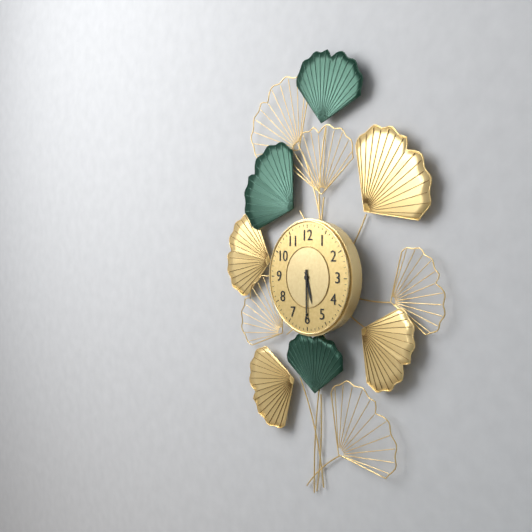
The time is h=5 m=30
